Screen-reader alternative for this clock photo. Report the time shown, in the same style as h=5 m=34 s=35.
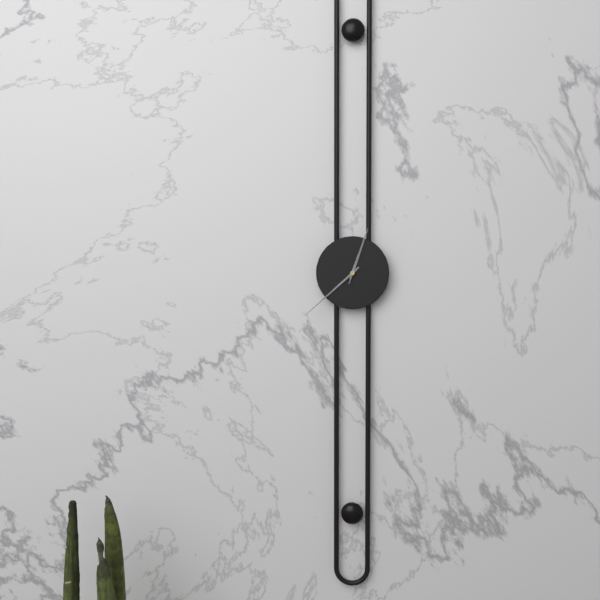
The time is h=12 m=38 s=3
